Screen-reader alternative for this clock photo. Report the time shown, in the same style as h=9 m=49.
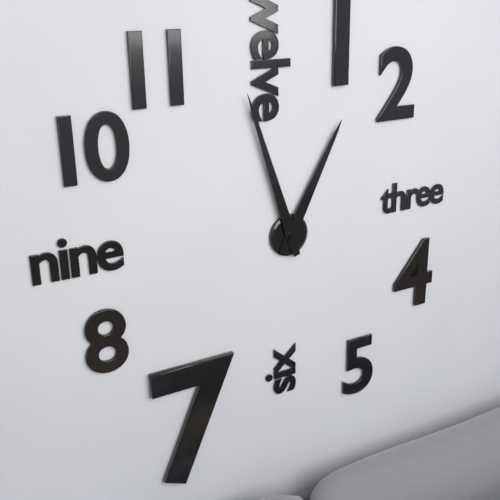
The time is h=12 m=57
